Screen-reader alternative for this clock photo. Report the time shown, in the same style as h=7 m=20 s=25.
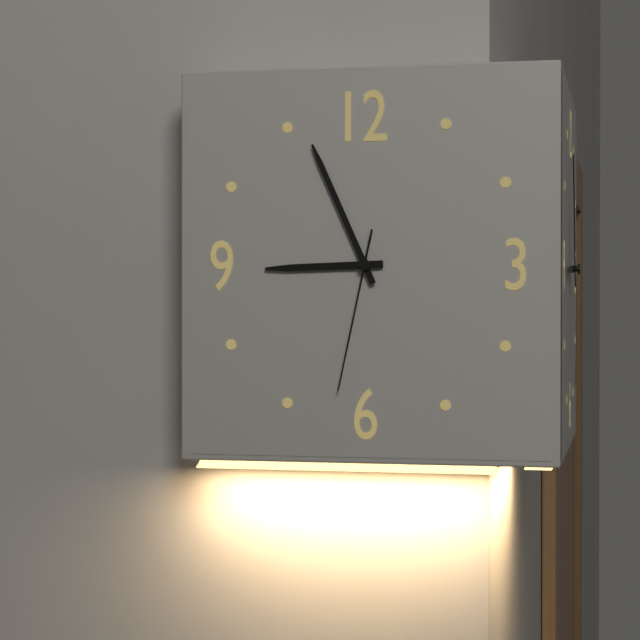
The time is h=8 m=56 s=32
